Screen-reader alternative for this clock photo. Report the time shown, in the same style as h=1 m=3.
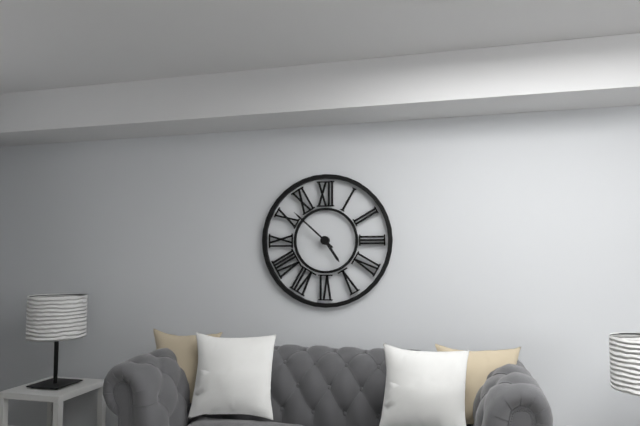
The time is h=4 m=52
